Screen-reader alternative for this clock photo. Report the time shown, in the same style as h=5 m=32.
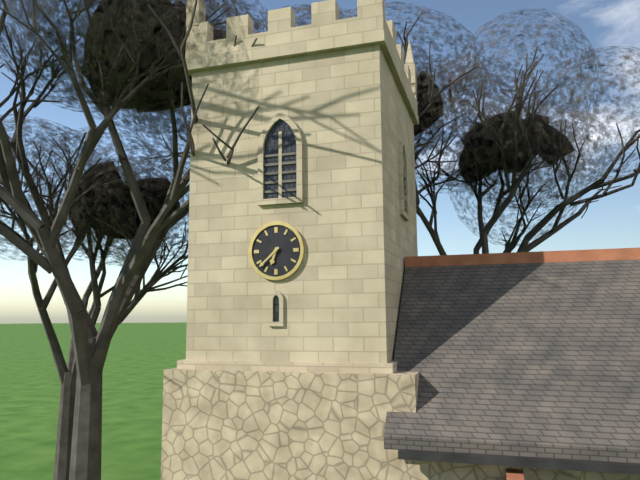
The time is h=6 m=38
